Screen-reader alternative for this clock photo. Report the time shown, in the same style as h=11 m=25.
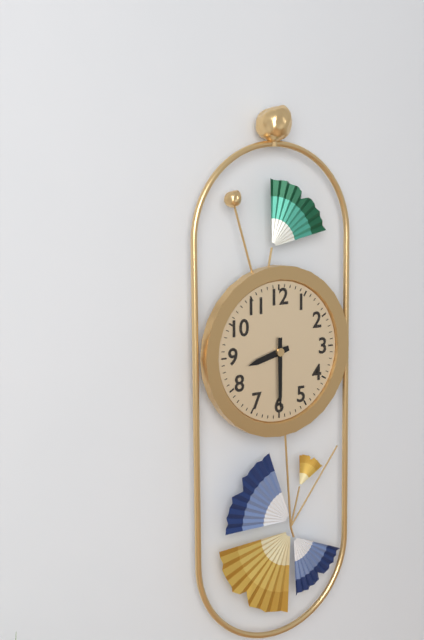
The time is h=8 m=30
